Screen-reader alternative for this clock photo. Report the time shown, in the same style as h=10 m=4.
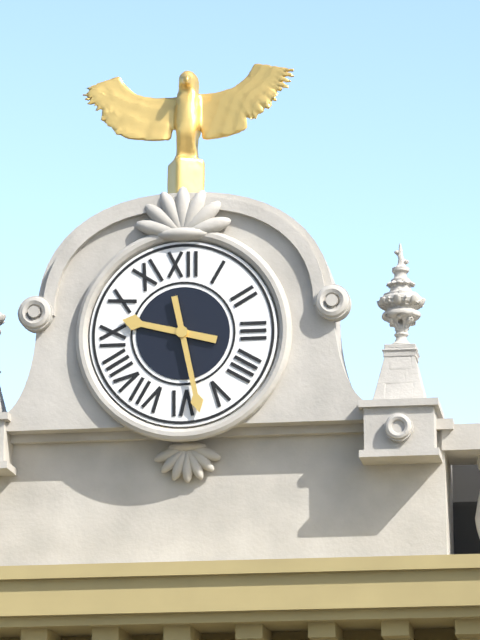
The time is h=9 m=28
